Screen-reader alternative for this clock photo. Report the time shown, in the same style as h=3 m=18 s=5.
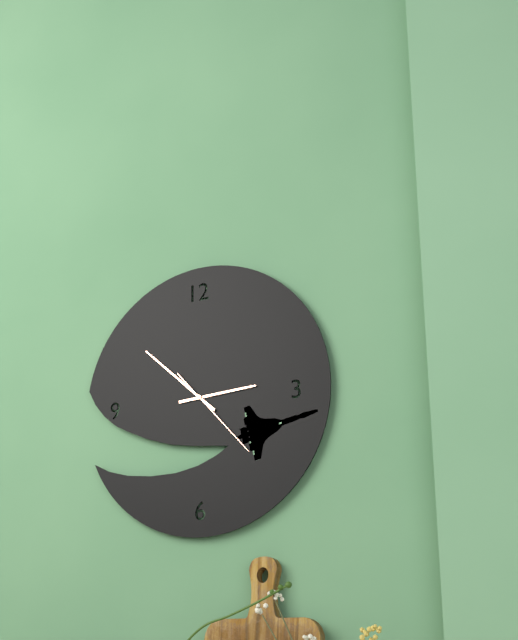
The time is h=2 m=52 s=23
